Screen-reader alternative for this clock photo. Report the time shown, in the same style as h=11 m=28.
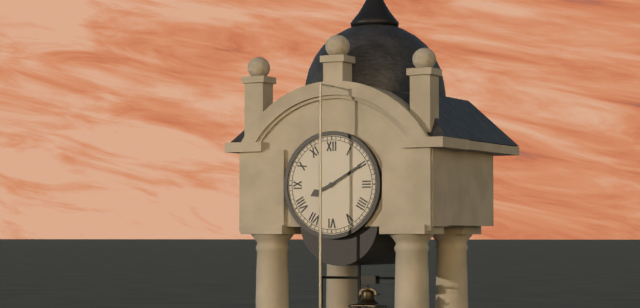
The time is h=8 m=10
